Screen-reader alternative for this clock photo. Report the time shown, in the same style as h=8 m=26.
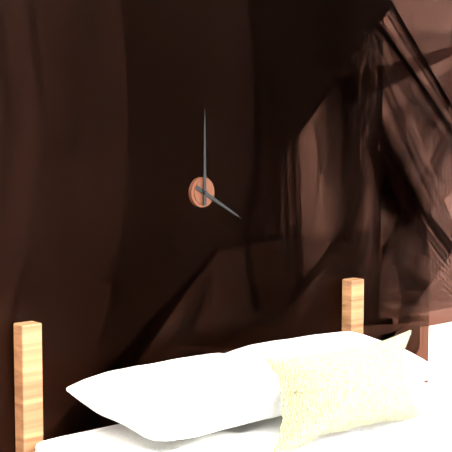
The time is h=4 m=0
